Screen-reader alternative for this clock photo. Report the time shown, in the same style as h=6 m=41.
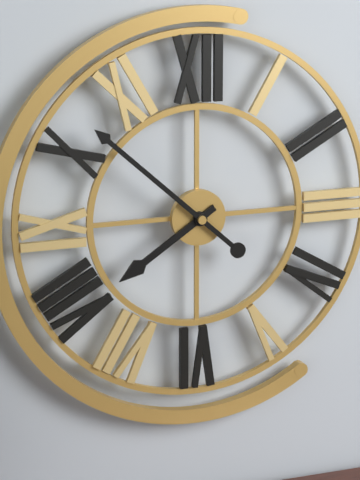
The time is h=7 m=52
